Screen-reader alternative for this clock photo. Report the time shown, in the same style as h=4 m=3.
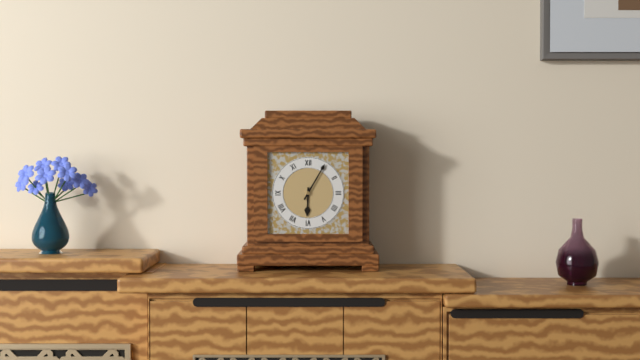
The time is h=6 m=5
